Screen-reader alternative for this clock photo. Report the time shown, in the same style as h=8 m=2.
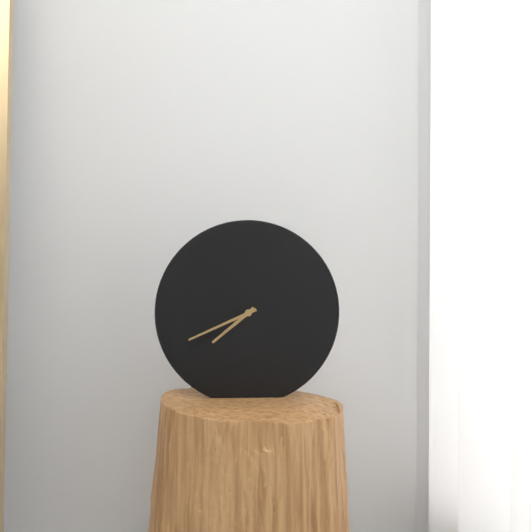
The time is h=7 m=41
